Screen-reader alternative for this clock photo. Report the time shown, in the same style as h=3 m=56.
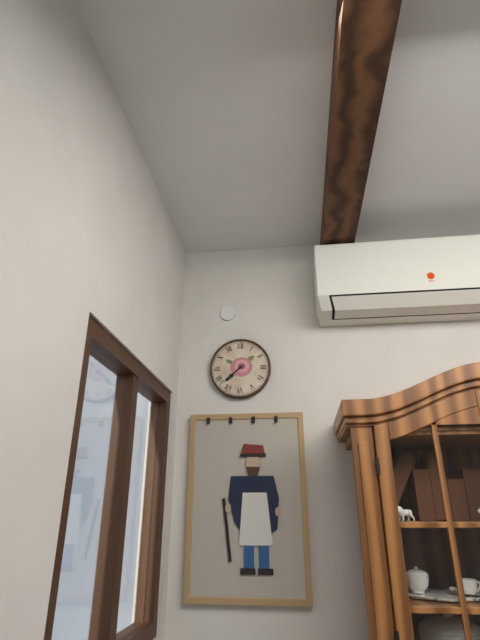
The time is h=7 m=38
